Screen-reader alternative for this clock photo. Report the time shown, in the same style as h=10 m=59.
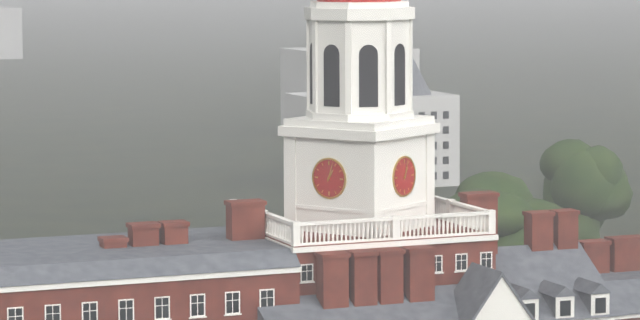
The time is h=1 m=3
